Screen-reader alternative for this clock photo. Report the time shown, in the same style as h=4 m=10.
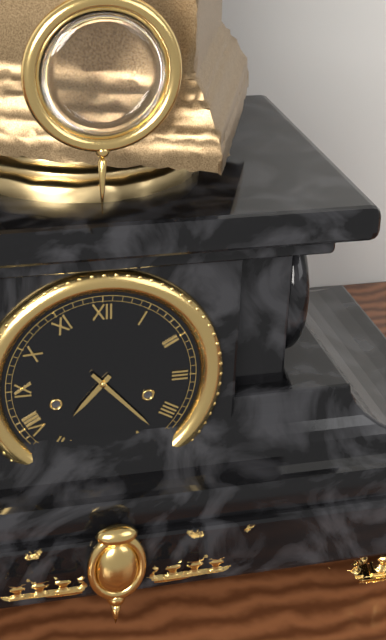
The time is h=7 m=23
